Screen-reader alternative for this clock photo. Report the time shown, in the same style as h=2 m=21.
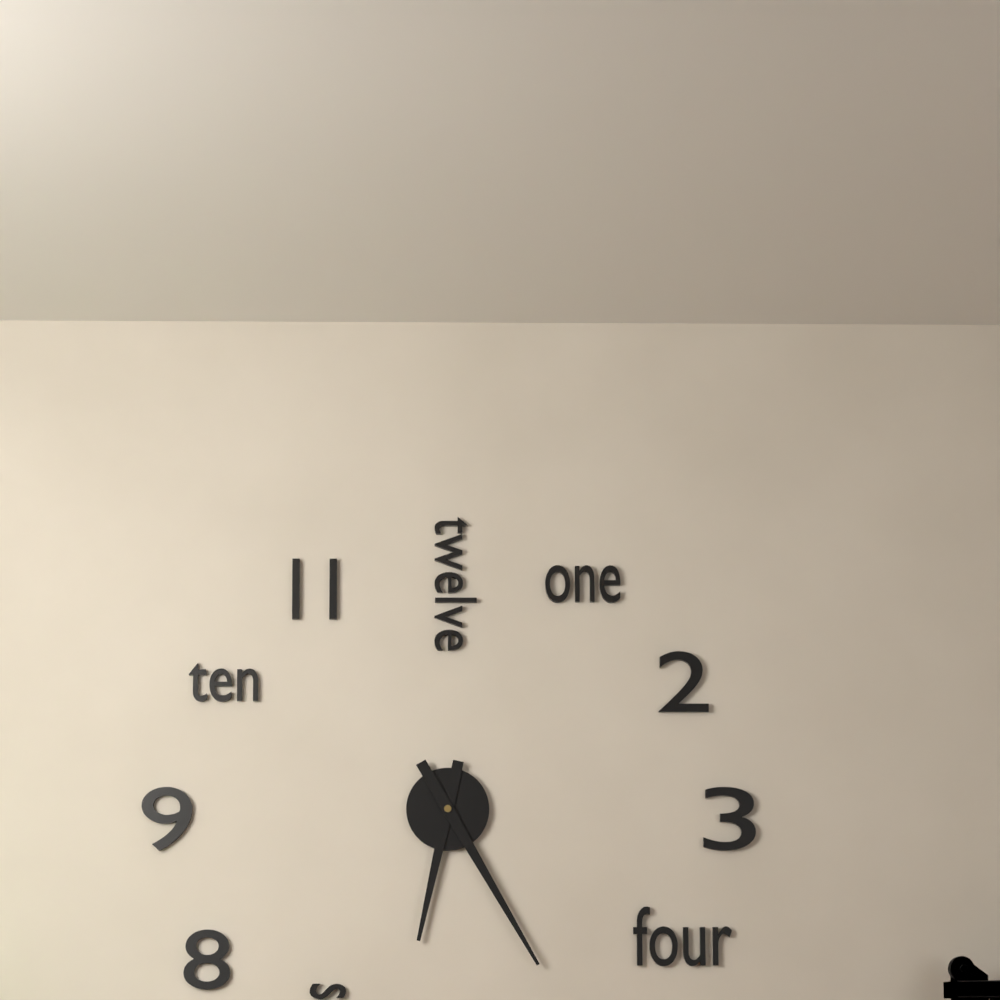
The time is h=6 m=25
